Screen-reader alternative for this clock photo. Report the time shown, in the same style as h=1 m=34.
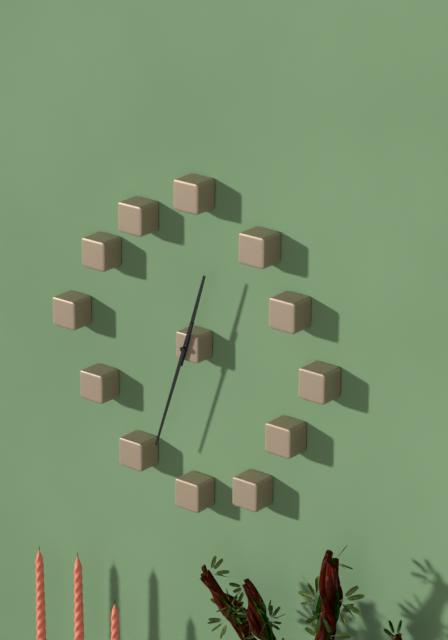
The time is h=12 m=33
